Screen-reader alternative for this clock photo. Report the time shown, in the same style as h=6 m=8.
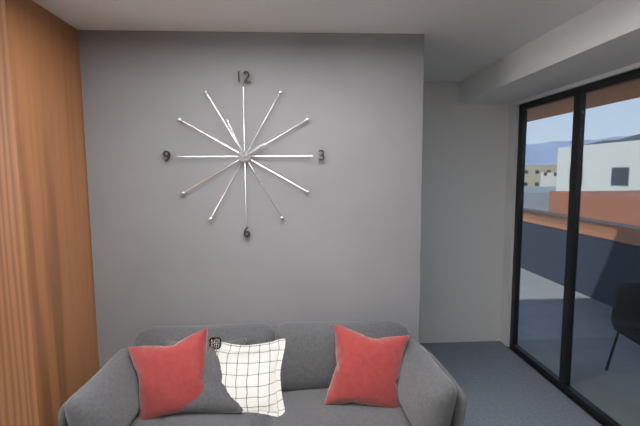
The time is h=1 m=56
